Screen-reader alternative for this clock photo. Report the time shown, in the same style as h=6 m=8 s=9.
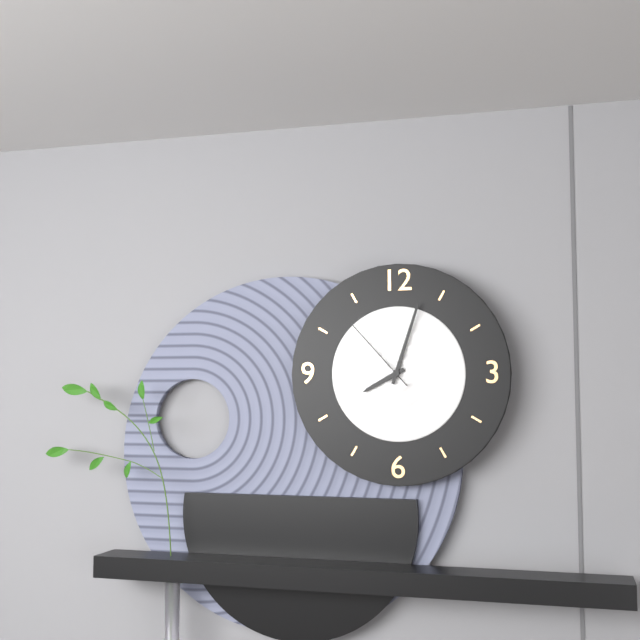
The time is h=8 m=3 s=53
